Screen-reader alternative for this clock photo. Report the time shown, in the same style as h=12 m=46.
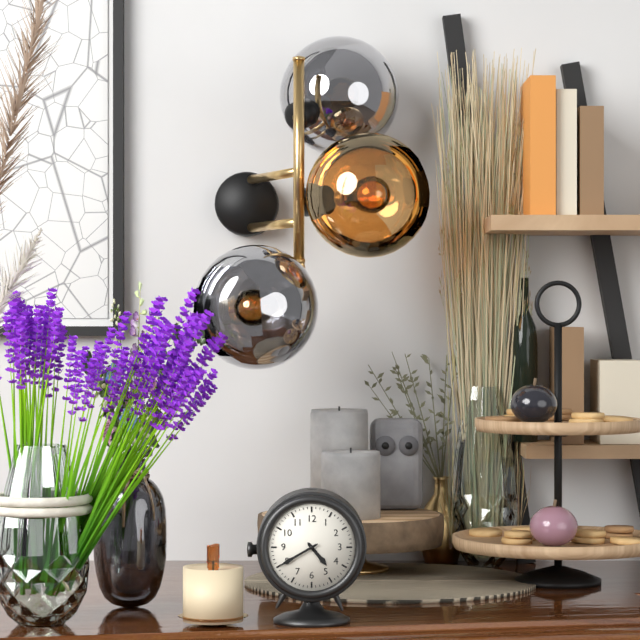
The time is h=4 m=40
